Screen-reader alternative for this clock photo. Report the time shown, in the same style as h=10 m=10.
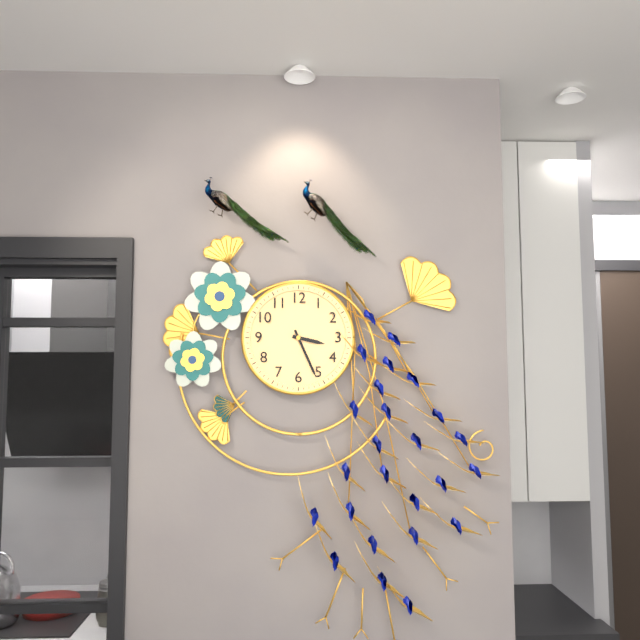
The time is h=3 m=26
